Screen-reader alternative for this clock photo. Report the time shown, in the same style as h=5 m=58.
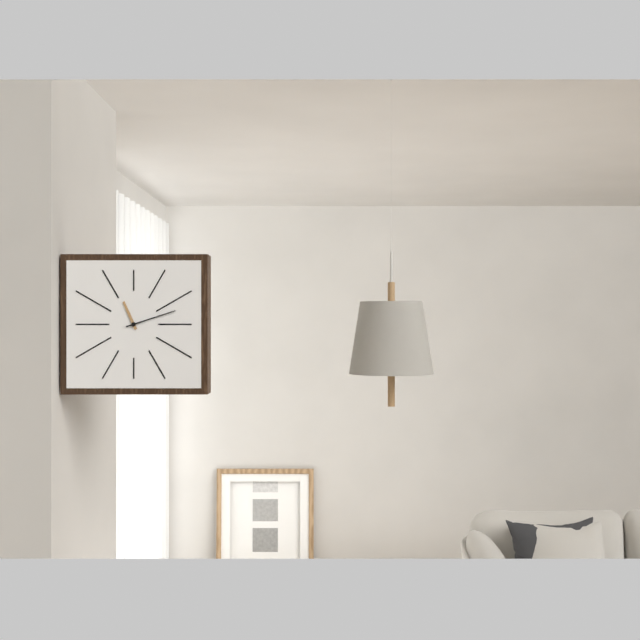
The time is h=11 m=12
